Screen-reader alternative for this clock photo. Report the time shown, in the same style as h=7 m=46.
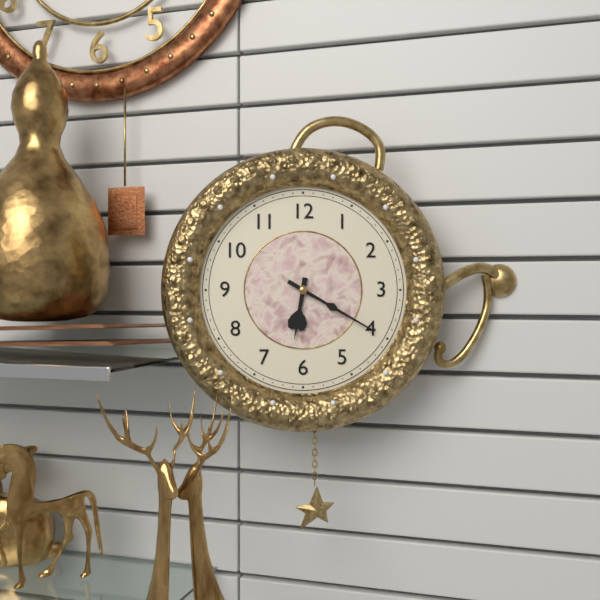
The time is h=6 m=20
